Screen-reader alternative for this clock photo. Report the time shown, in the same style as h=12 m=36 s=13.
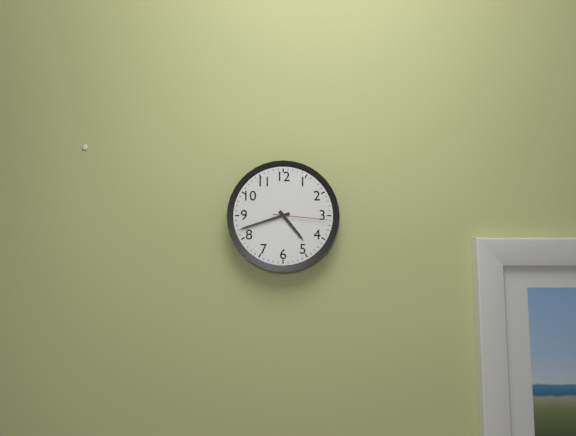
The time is h=4 m=42 s=16
